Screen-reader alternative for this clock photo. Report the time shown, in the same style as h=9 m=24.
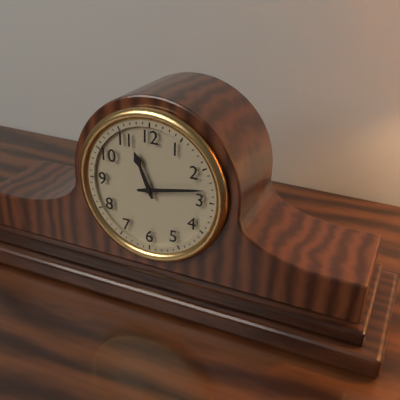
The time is h=11 m=13
